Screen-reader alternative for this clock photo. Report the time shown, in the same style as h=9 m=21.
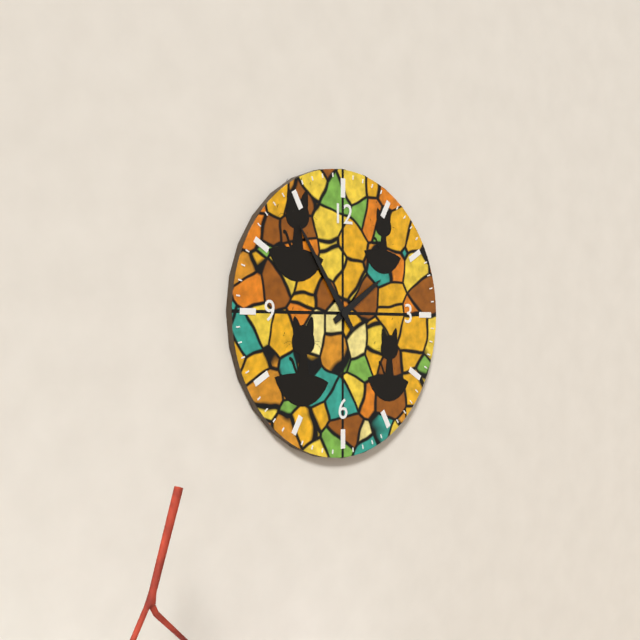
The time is h=1 m=54
